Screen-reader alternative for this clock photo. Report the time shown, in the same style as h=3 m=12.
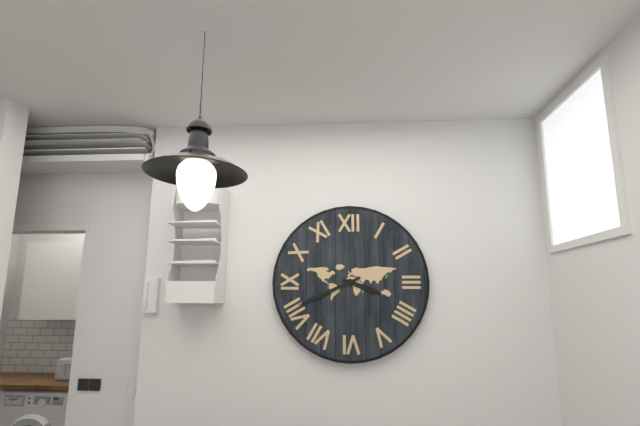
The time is h=3 m=41
